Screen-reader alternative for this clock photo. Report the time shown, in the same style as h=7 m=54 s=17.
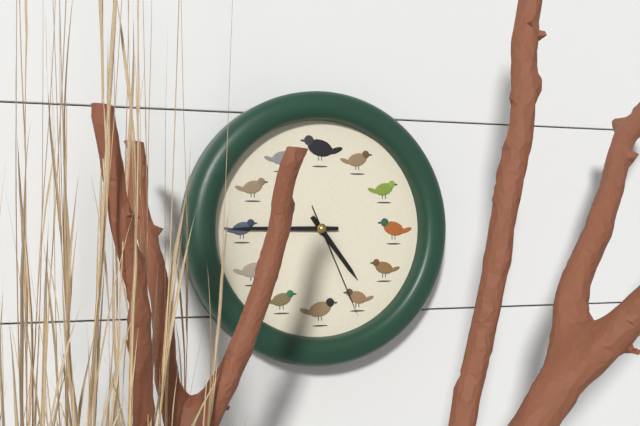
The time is h=4 m=45 s=26
